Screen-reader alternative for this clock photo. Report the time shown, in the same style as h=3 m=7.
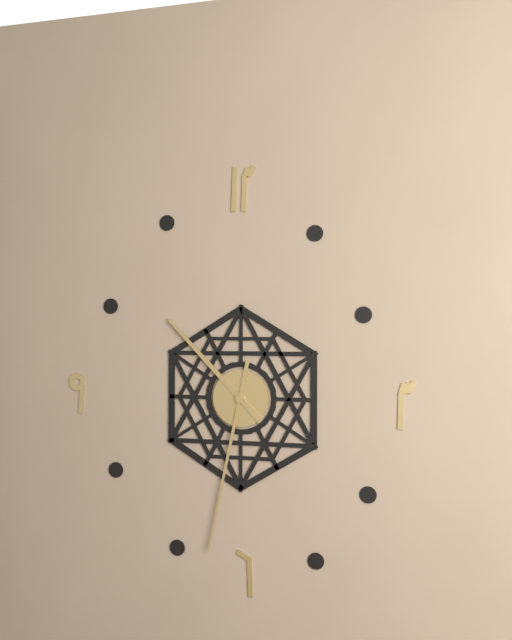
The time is h=10 m=32
